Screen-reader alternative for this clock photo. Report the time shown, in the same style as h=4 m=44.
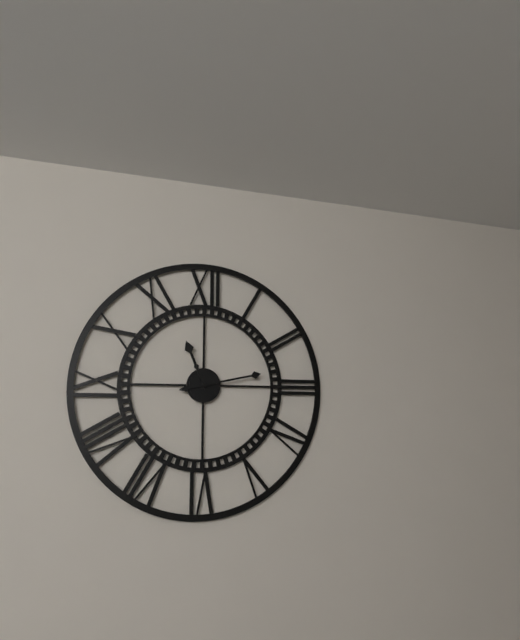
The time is h=11 m=13
